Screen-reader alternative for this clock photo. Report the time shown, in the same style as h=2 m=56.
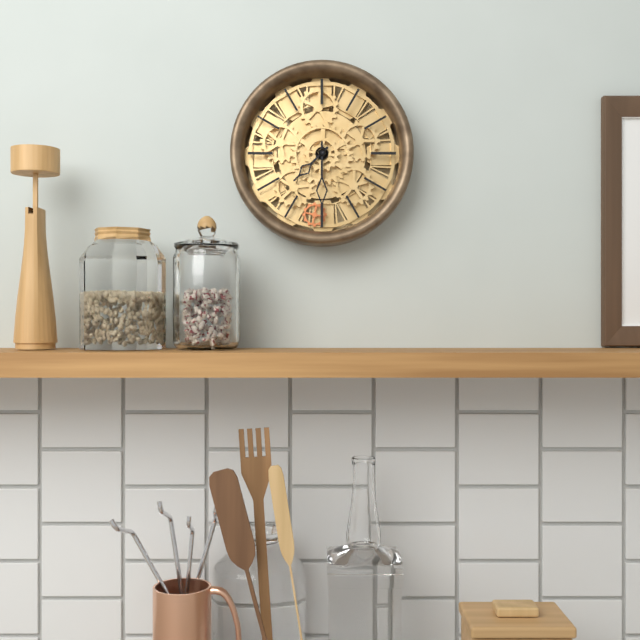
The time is h=7 m=30
